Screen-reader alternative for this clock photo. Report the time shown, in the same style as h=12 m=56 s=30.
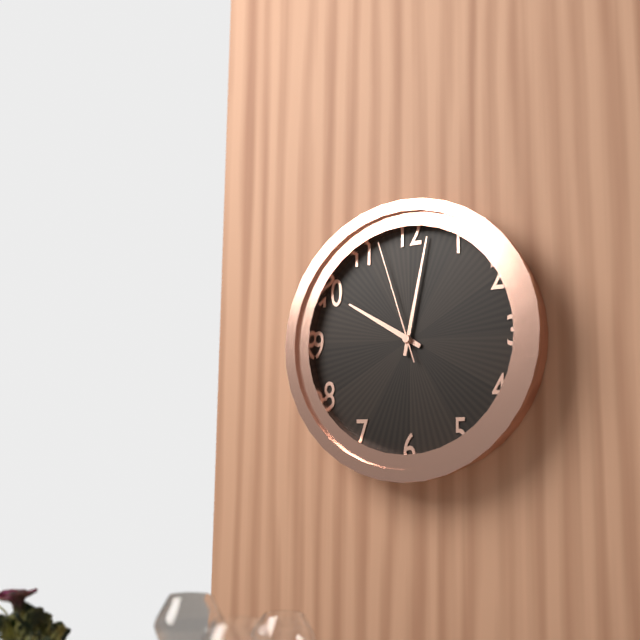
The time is h=10 m=2 s=57
